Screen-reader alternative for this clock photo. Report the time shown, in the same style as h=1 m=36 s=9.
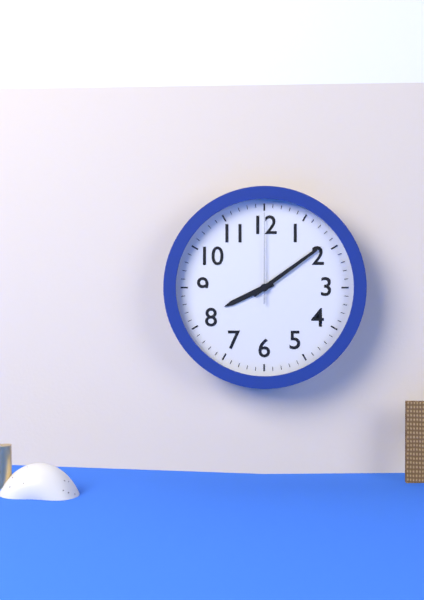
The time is h=8 m=9 s=0
